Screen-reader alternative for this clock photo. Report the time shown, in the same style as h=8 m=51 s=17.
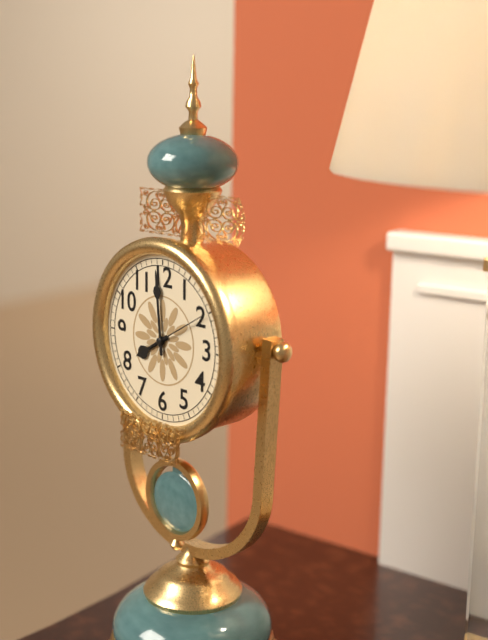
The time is h=7 m=59 s=10
